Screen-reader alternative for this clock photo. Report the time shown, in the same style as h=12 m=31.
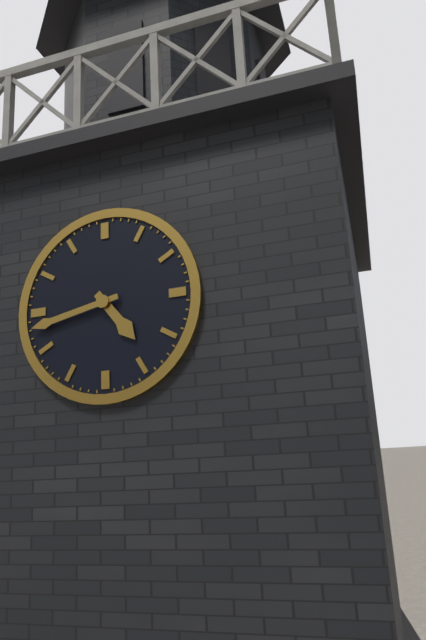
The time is h=4 m=43
